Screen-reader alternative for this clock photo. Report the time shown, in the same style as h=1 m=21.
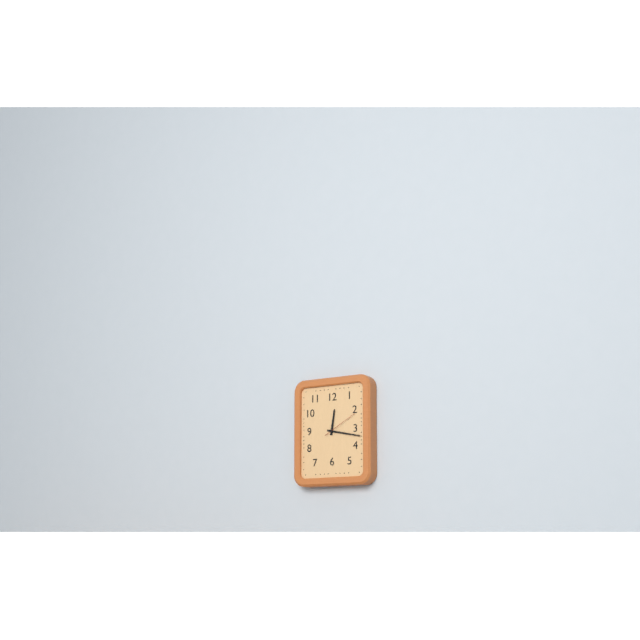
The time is h=12 m=17
